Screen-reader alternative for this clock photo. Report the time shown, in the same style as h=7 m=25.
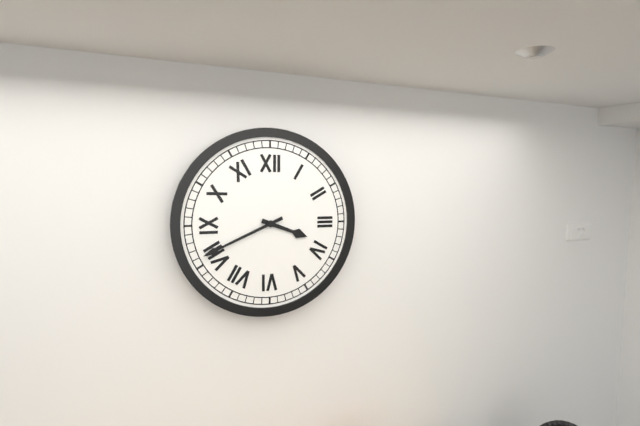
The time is h=3 m=41
